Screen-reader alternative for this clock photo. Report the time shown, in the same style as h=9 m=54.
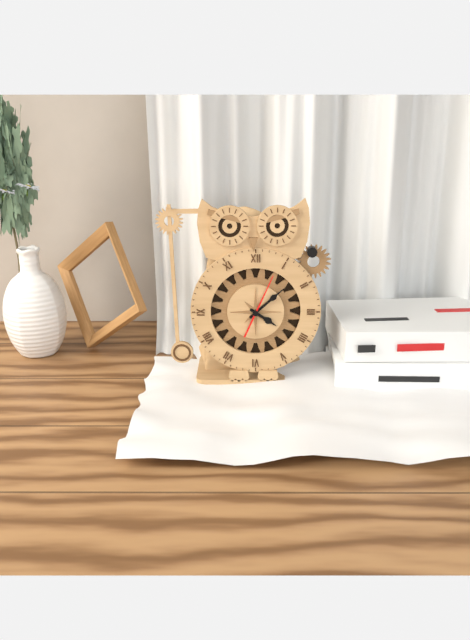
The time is h=4 m=8
